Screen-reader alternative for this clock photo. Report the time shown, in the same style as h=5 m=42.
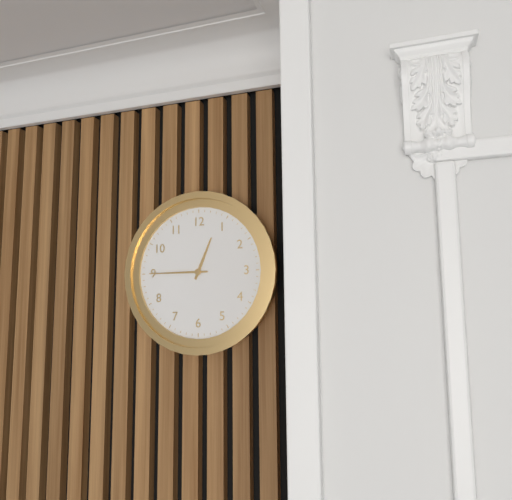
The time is h=12 m=45
